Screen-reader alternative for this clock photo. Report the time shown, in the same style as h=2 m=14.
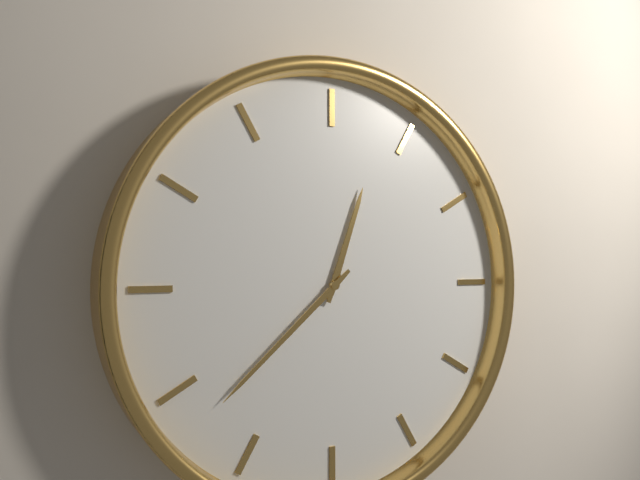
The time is h=12 m=38
